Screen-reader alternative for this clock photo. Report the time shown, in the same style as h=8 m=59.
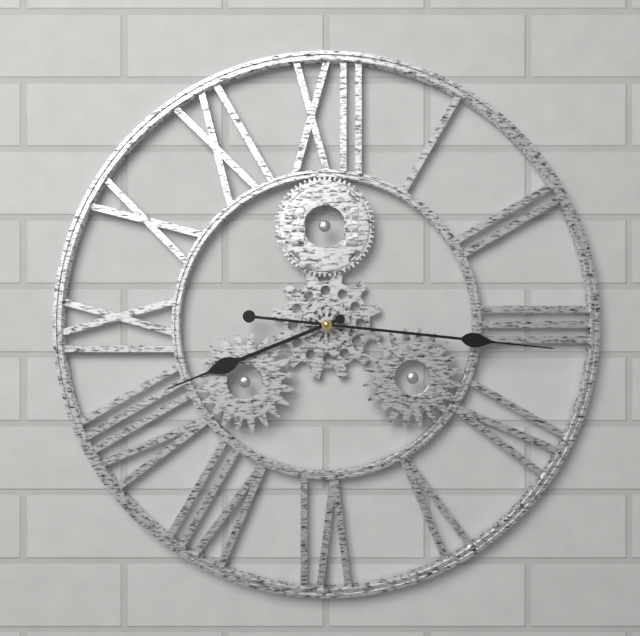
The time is h=8 m=16
